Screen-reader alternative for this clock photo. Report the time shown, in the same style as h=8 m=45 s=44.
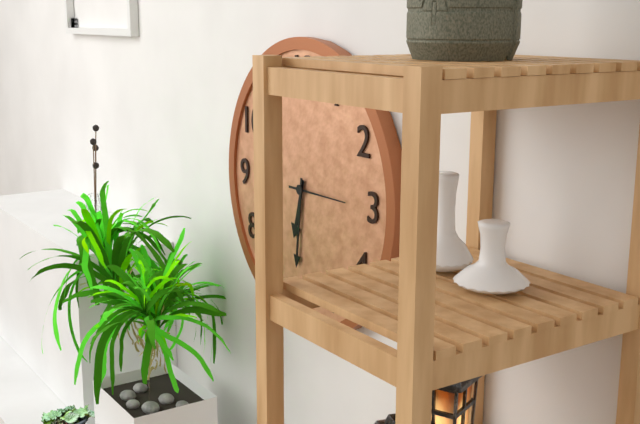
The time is h=6 m=31 s=15
